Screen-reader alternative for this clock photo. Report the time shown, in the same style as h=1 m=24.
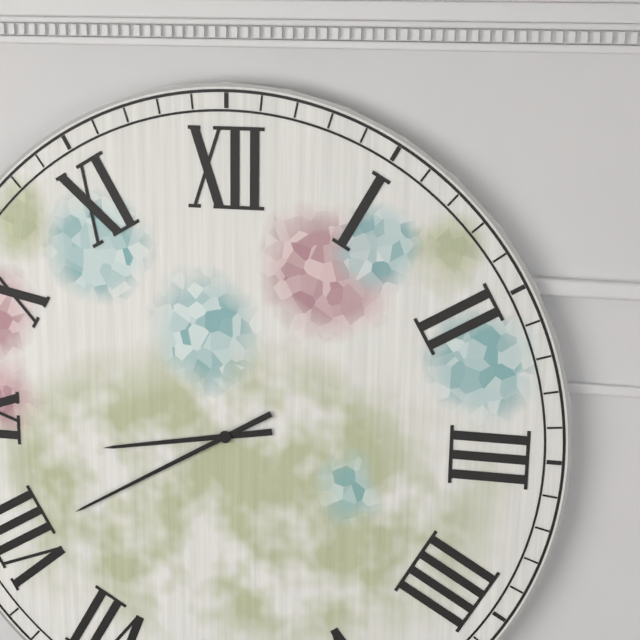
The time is h=8 m=40
